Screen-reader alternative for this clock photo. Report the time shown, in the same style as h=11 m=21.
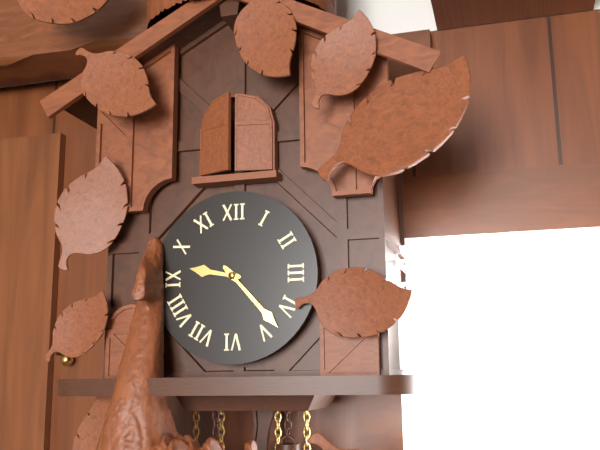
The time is h=9 m=23
